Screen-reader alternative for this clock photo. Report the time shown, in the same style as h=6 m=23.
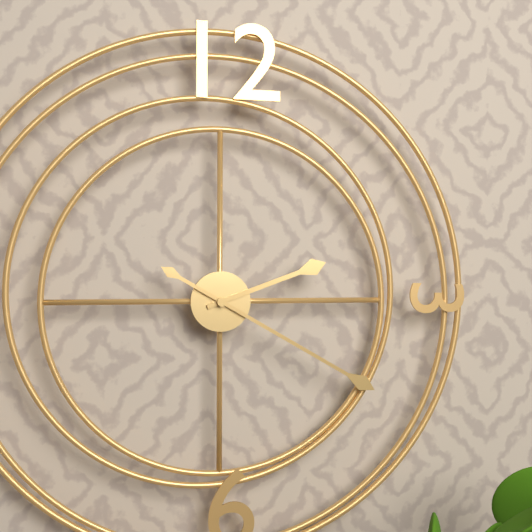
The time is h=2 m=20
